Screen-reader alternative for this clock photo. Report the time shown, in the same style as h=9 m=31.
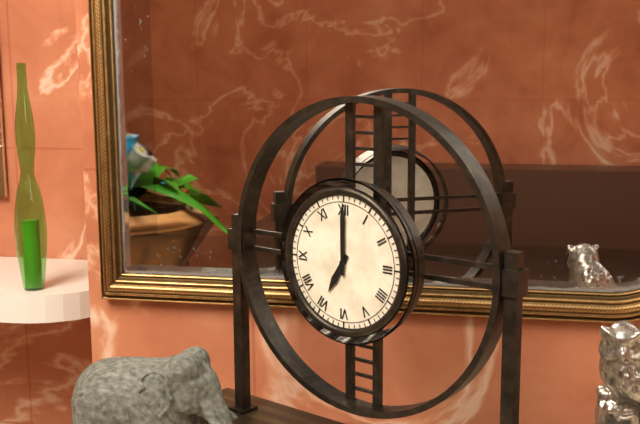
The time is h=7 m=0
